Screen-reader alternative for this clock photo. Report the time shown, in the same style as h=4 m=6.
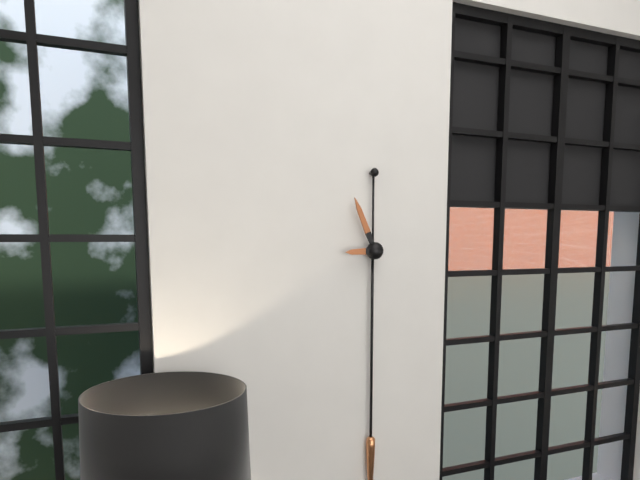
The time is h=8 m=56
